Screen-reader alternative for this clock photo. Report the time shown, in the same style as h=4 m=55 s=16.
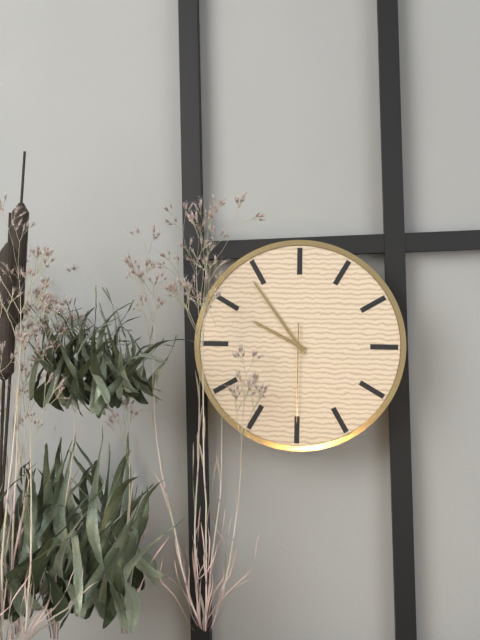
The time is h=9 m=54 s=30
